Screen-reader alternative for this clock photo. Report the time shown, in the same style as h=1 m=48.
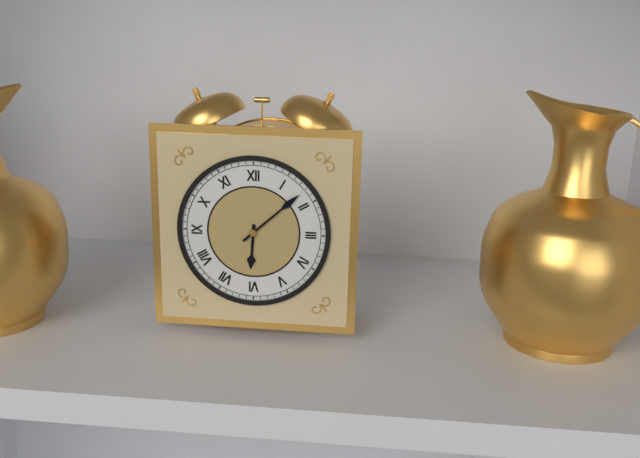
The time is h=6 m=8
